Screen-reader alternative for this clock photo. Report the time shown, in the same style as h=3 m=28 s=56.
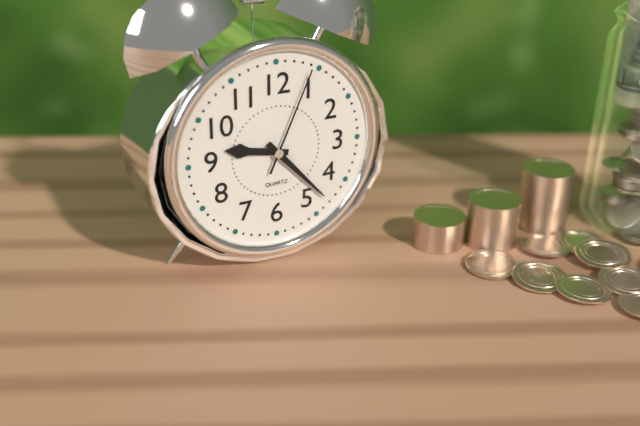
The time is h=9 m=23 s=4
